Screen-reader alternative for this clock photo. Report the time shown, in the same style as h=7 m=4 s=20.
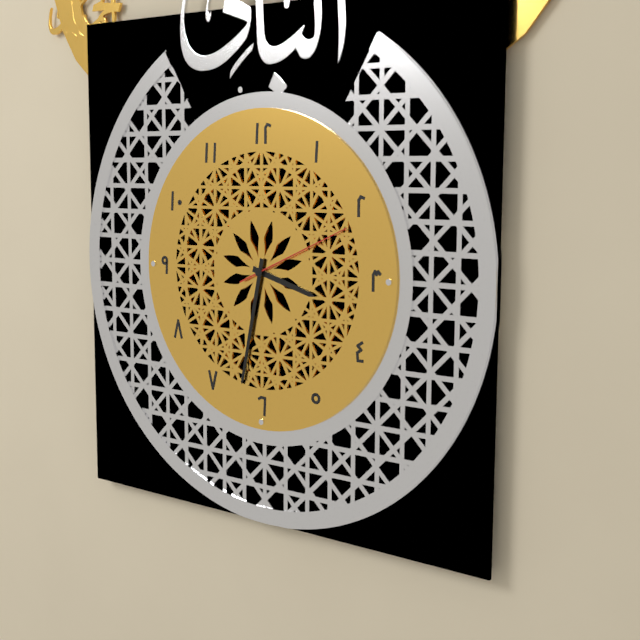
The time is h=3 m=32 s=11
